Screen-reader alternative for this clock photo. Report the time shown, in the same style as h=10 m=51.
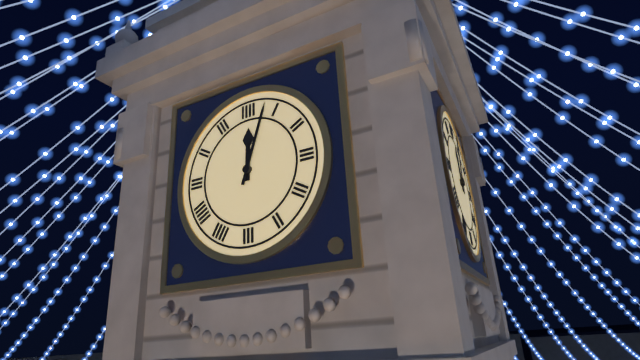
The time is h=12 m=3
